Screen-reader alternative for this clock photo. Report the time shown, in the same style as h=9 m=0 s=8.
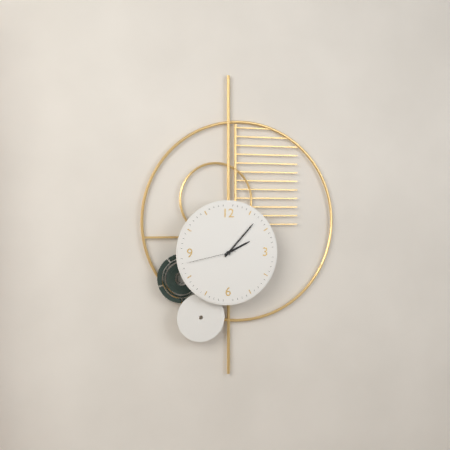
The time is h=2 m=7 s=43
